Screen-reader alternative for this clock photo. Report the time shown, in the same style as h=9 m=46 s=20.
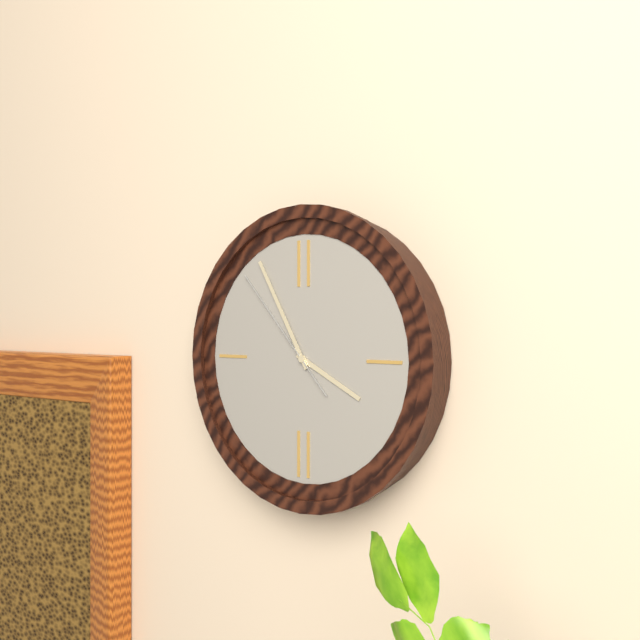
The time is h=3 m=55 s=53
